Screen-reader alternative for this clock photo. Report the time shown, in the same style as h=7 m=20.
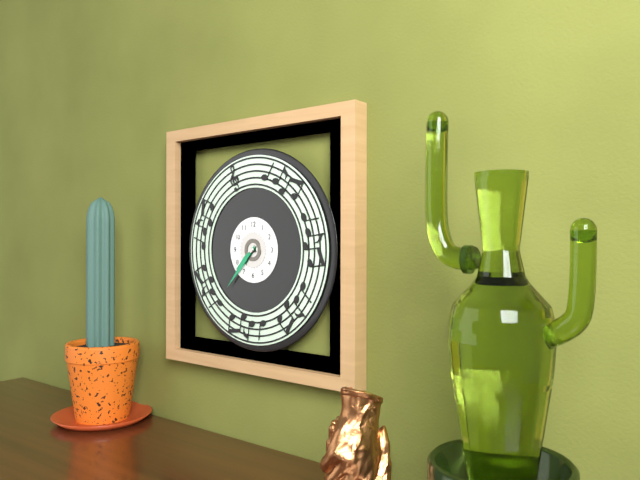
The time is h=7 m=37
